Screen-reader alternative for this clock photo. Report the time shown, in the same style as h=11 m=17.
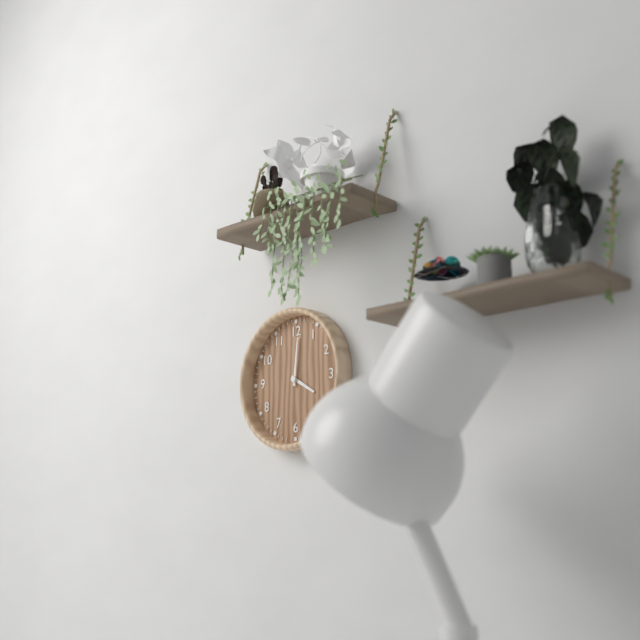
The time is h=4 m=1
